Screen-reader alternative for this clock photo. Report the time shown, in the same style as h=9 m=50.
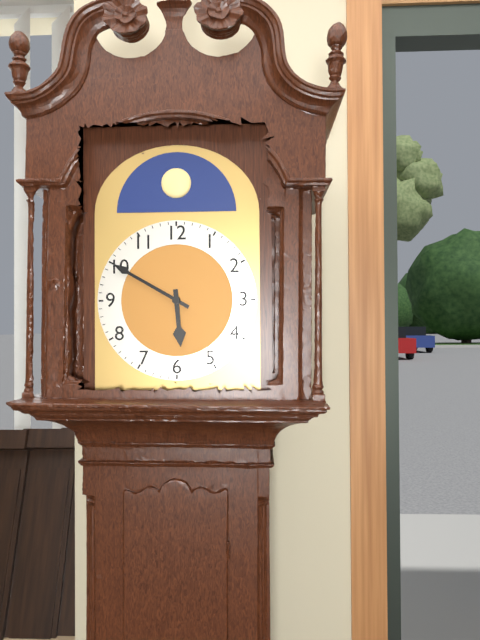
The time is h=5 m=50
